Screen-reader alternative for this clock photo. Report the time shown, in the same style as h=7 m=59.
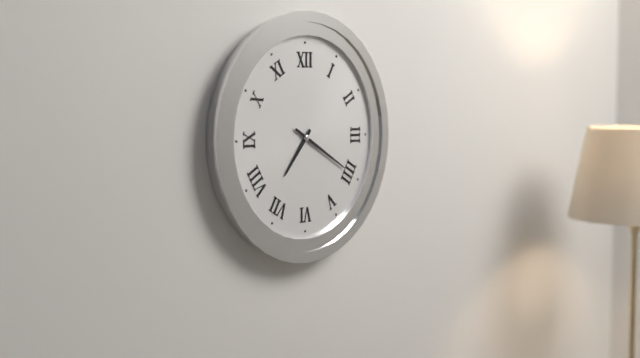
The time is h=7 m=20
